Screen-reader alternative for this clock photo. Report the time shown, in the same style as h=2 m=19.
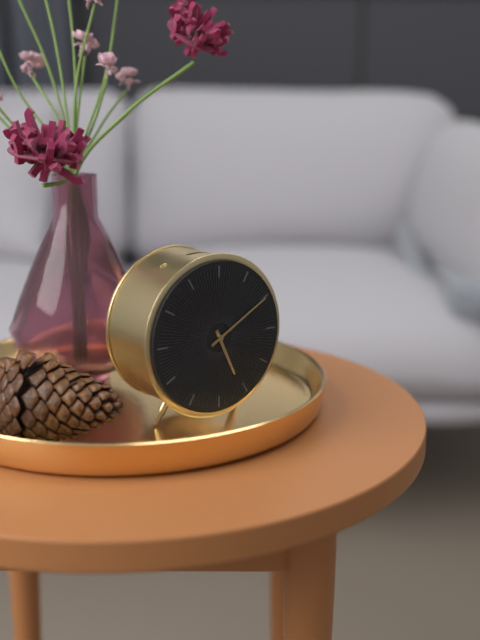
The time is h=5 m=10
